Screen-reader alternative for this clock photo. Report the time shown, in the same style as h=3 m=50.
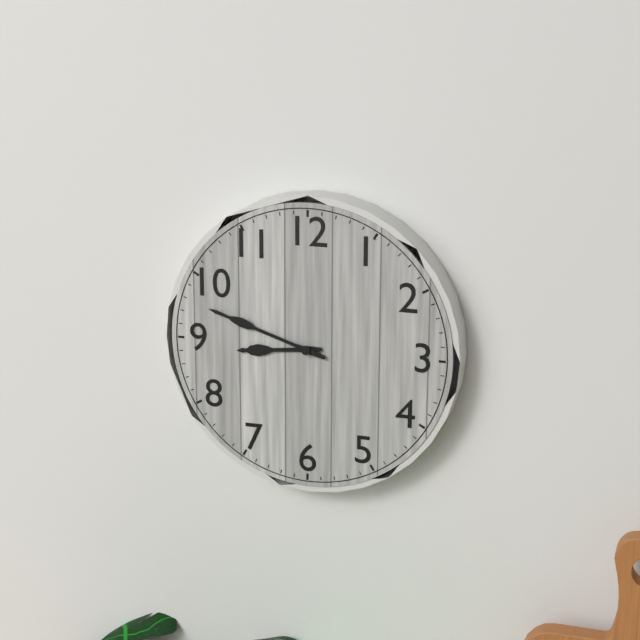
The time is h=8 m=48
